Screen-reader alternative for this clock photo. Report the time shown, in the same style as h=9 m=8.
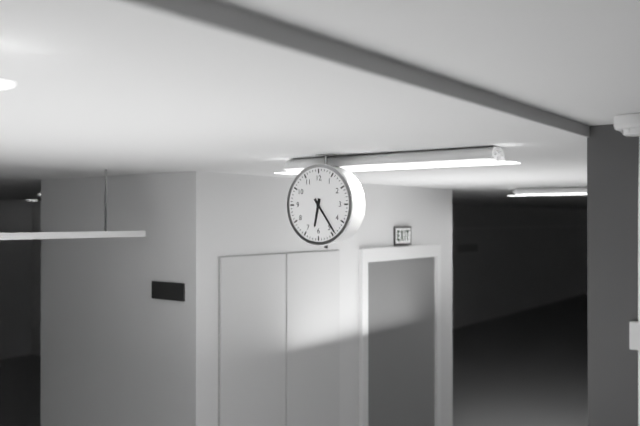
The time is h=6 m=24
